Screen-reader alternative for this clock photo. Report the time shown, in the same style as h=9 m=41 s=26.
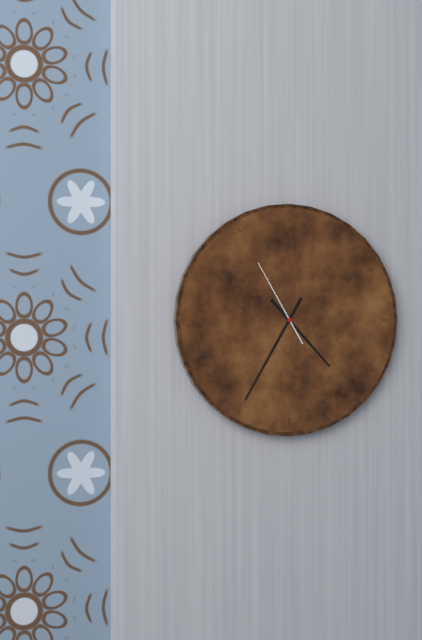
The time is h=4 m=35 s=55
